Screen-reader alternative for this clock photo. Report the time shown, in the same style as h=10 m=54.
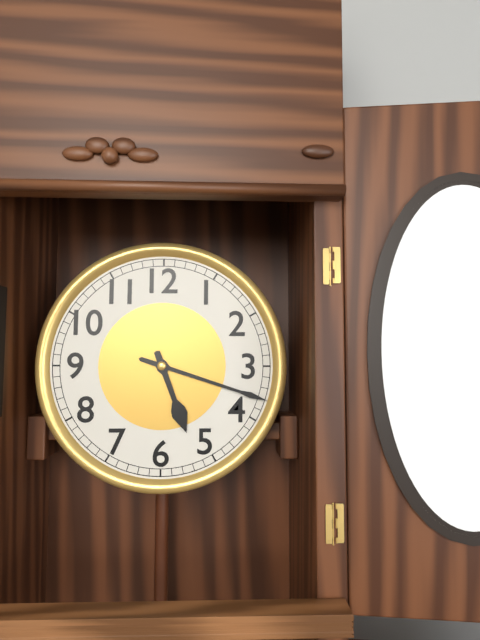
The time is h=5 m=18
